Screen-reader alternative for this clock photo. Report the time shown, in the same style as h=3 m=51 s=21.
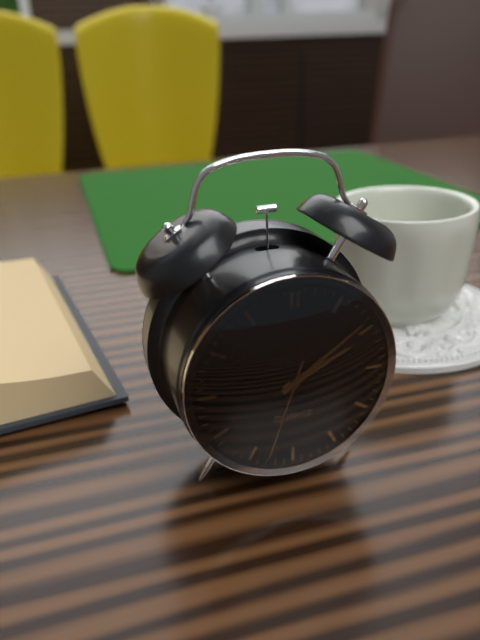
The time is h=2 m=9 s=33
